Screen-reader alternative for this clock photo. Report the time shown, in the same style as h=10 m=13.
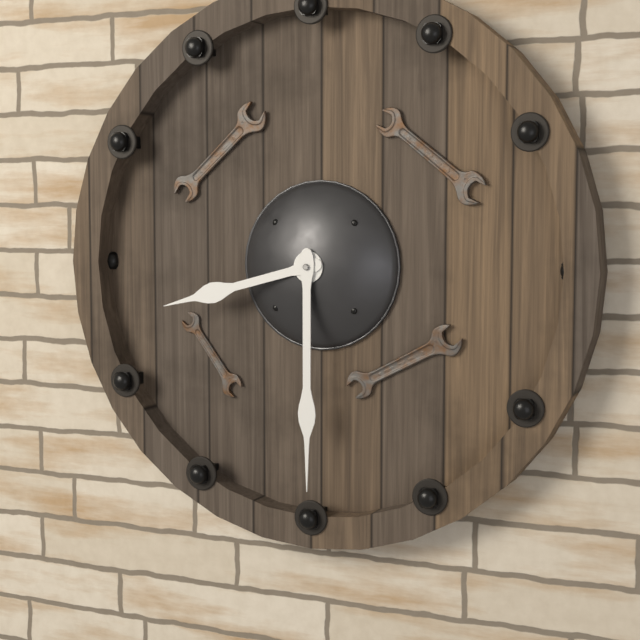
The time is h=8 m=30
